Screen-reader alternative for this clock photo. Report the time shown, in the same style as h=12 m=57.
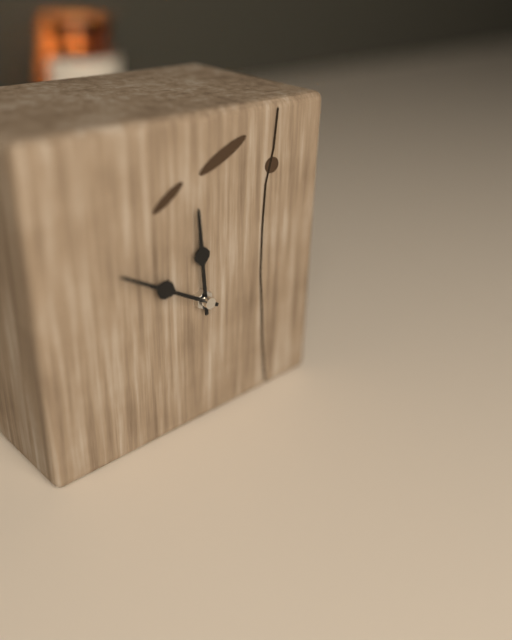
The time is h=11 m=50
